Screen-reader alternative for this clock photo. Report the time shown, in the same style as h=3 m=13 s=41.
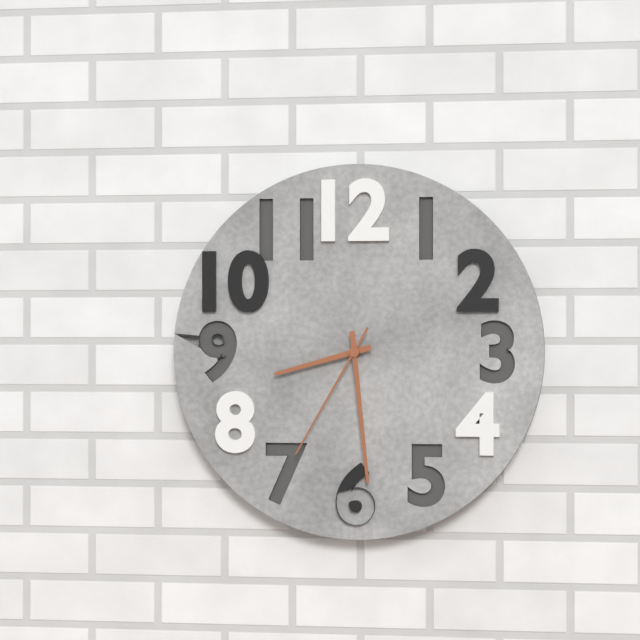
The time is h=8 m=29 s=35
